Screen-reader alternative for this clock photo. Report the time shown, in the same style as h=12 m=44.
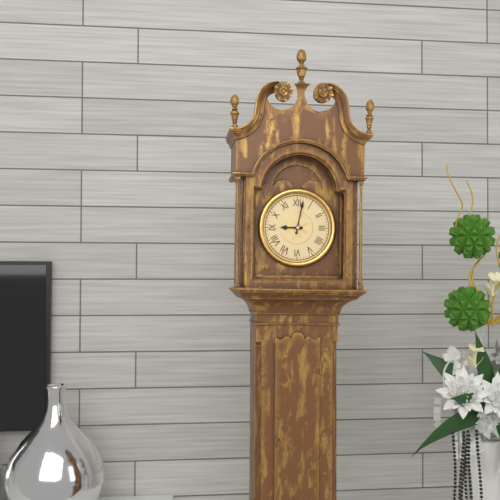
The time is h=9 m=2
